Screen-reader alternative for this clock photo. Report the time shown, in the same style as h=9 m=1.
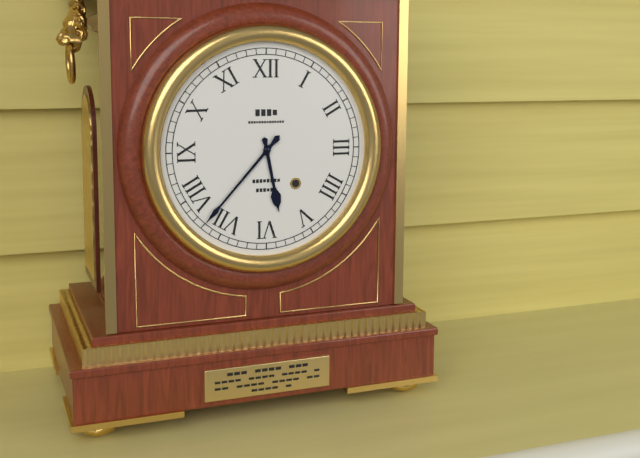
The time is h=5 m=37
